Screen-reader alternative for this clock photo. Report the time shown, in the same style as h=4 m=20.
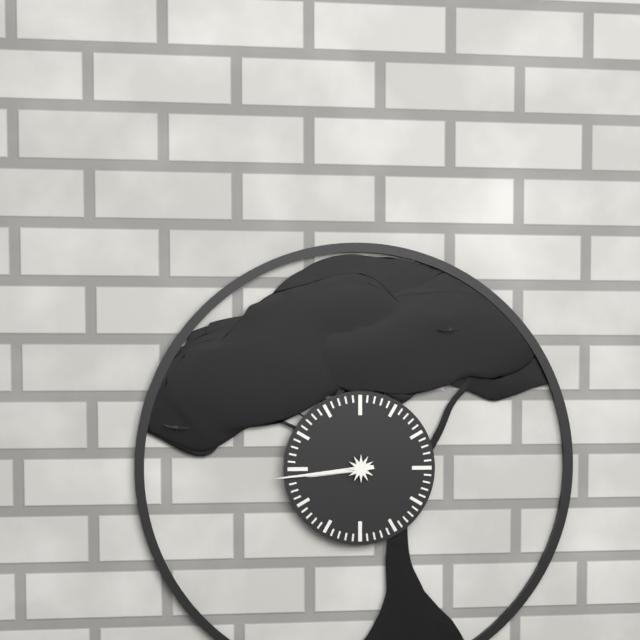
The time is h=8 m=44
